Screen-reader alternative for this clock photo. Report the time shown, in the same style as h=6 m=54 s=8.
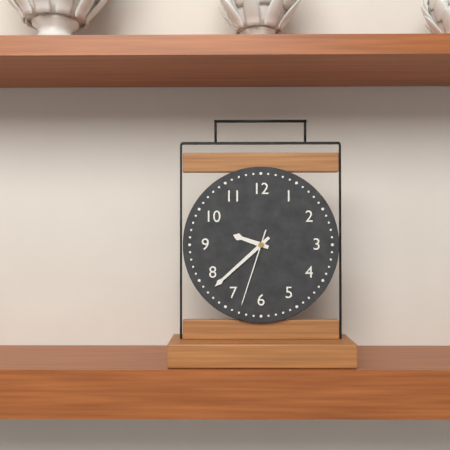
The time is h=9 m=38 s=33
